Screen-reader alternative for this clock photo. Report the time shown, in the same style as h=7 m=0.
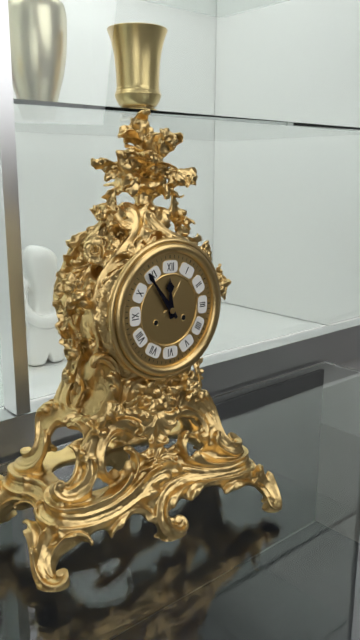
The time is h=11 m=54
